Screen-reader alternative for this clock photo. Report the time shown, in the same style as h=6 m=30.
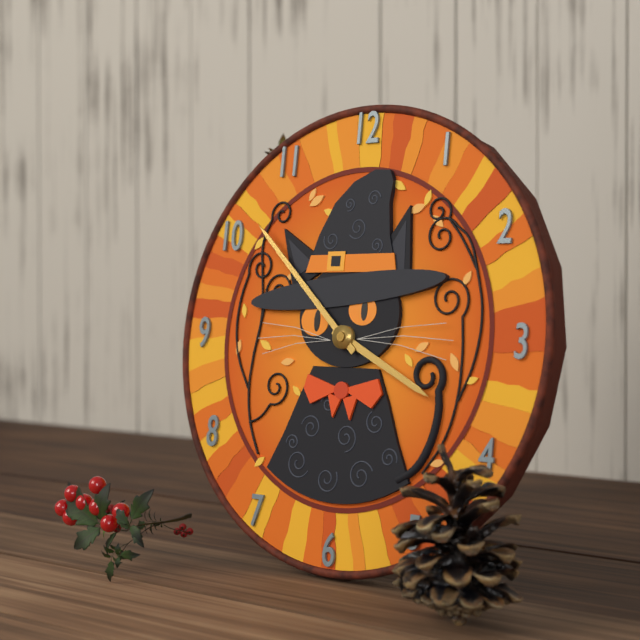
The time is h=3 m=52
